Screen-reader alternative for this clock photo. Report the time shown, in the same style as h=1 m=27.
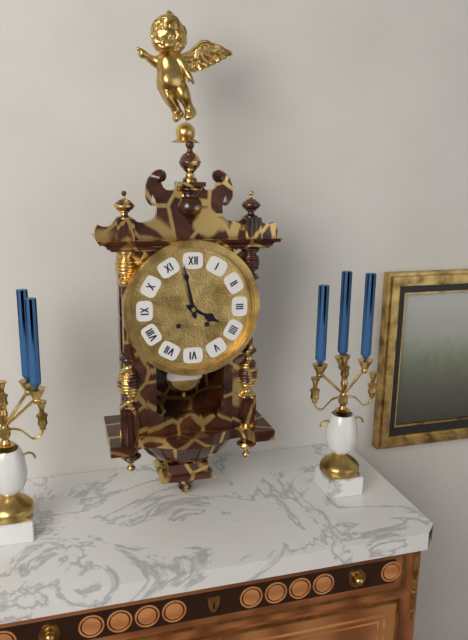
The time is h=3 m=58
